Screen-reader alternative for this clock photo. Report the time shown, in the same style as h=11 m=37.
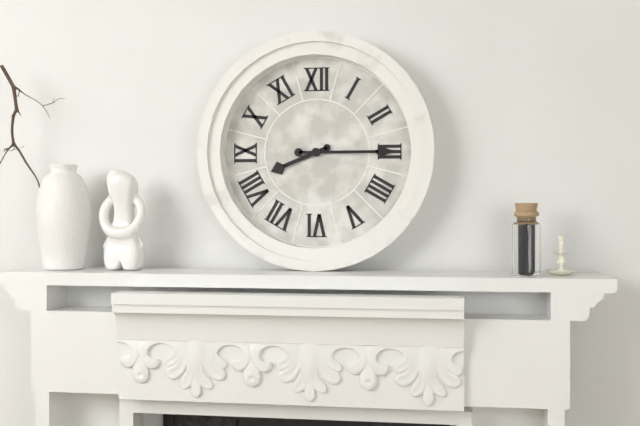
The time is h=8 m=15
